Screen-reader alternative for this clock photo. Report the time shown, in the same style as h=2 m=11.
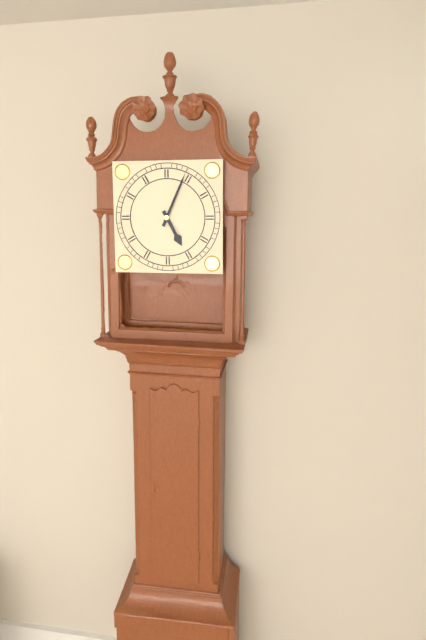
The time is h=5 m=4
